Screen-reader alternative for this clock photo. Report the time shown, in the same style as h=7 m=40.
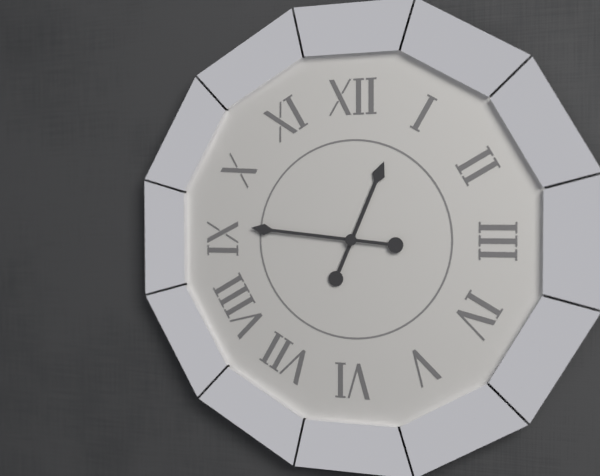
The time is h=12 m=46
